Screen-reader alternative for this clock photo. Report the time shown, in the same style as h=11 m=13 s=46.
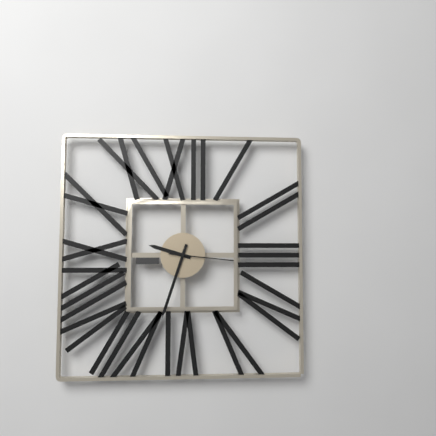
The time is h=9 m=33 s=16
